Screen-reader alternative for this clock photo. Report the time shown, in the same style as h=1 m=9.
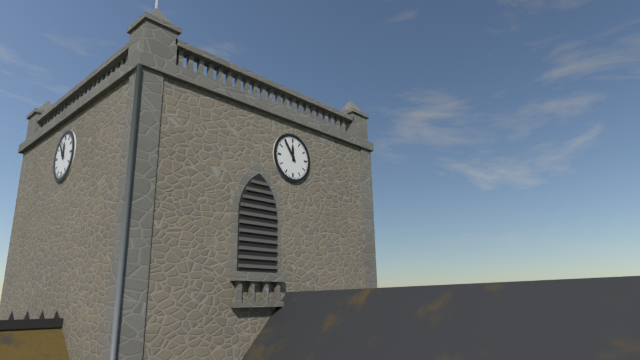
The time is h=11 m=54
